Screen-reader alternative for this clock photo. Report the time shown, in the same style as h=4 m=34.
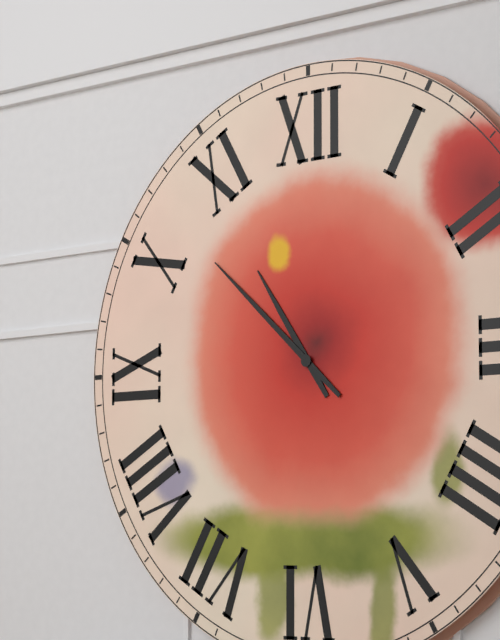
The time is h=10 m=52
